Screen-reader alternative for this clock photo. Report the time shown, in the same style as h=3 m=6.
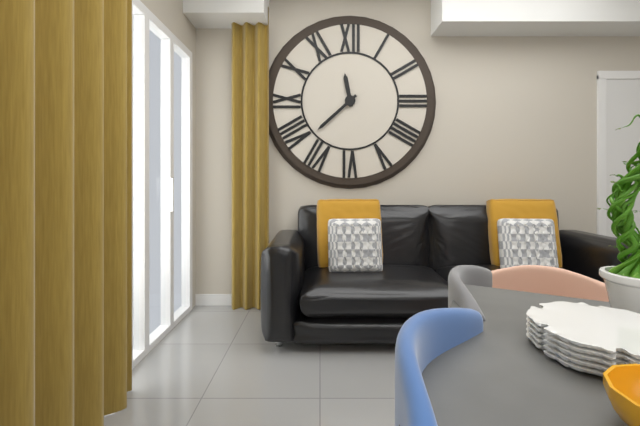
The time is h=11 m=38
